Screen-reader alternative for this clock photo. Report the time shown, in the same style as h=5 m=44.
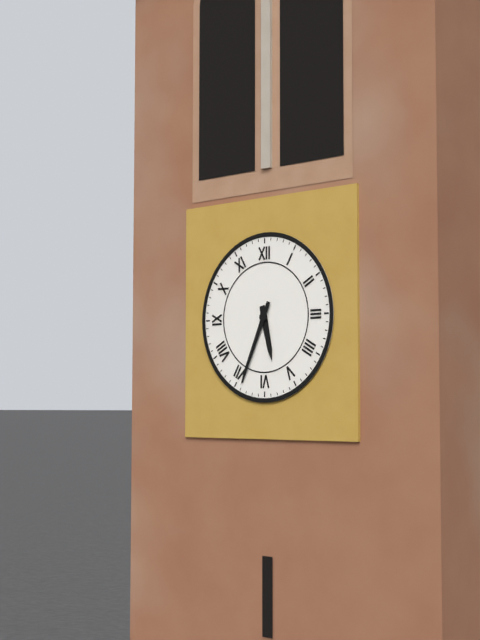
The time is h=5 m=34
